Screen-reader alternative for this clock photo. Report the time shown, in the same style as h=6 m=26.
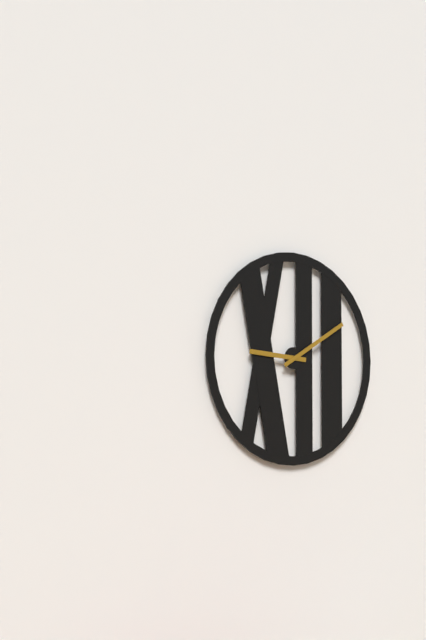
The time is h=9 m=10
